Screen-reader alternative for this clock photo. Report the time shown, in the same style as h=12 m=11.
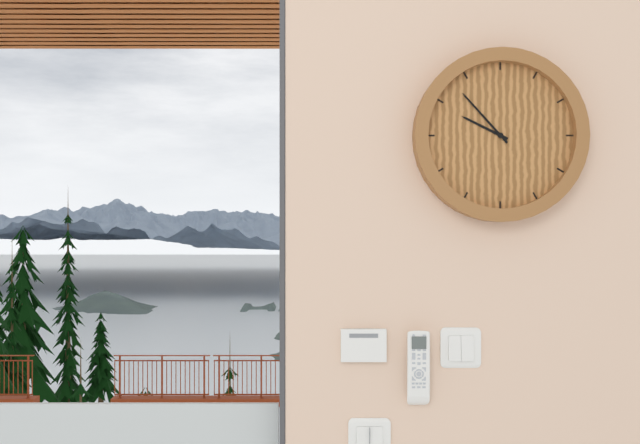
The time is h=9 m=53
